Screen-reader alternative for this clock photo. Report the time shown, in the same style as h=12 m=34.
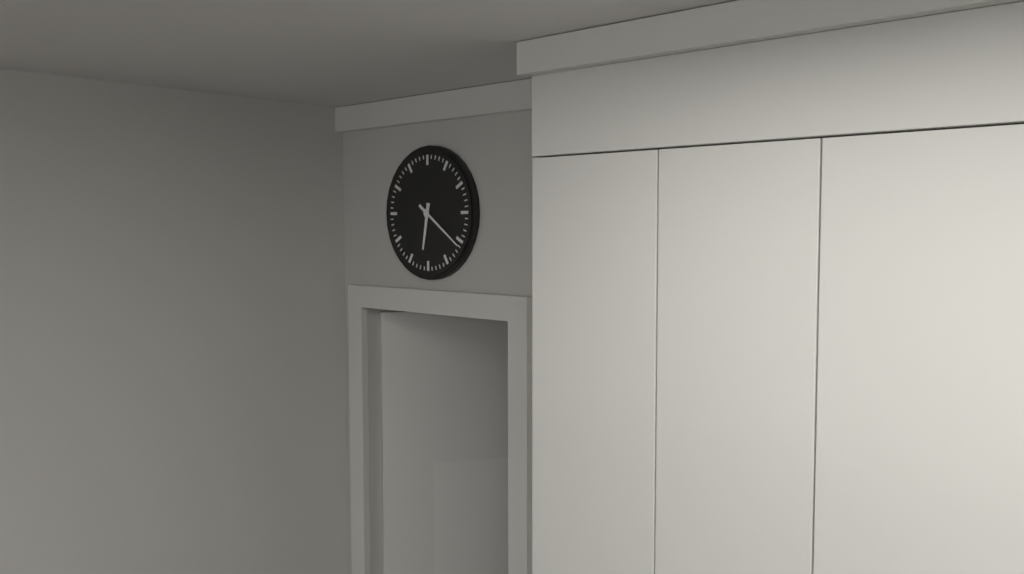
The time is h=6 m=21
